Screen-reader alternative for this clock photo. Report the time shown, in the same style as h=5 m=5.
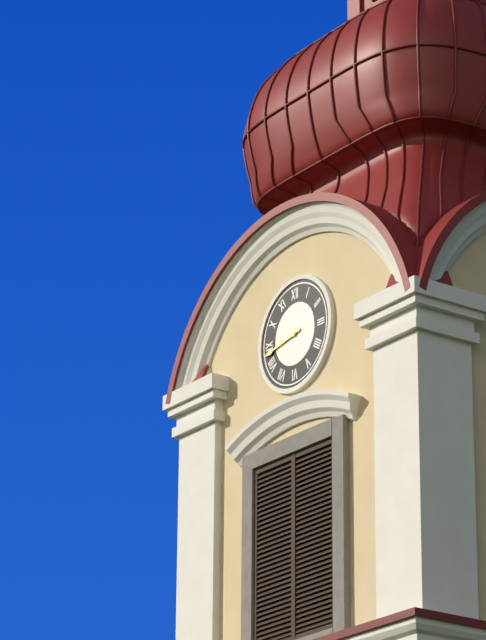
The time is h=8 m=43
